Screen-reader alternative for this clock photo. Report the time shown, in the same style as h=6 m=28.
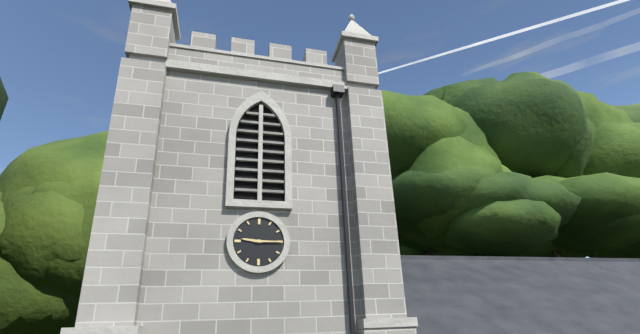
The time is h=9 m=15
